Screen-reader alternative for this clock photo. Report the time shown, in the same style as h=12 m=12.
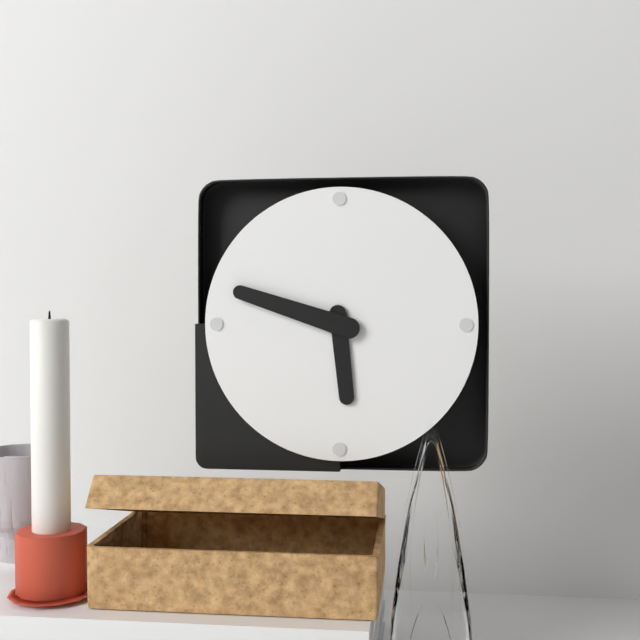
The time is h=5 m=48
